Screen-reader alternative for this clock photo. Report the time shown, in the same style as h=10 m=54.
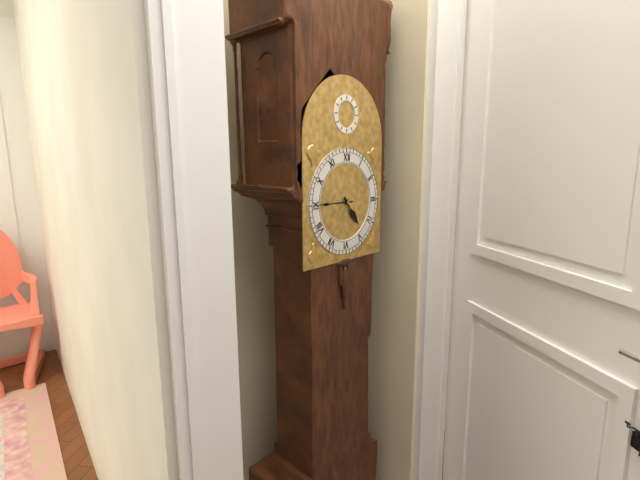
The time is h=4 m=45
